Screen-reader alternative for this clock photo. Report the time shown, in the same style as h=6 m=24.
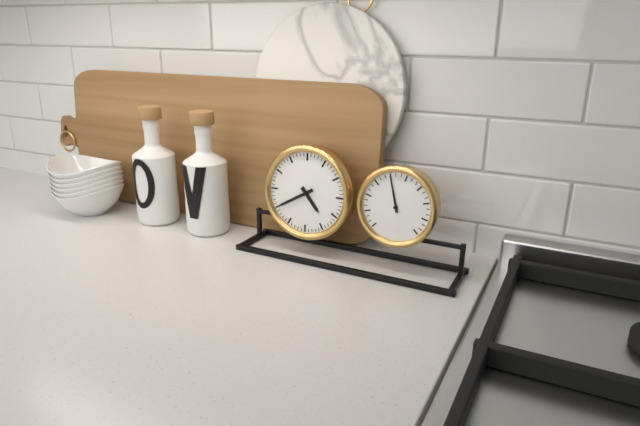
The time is h=4 m=40
